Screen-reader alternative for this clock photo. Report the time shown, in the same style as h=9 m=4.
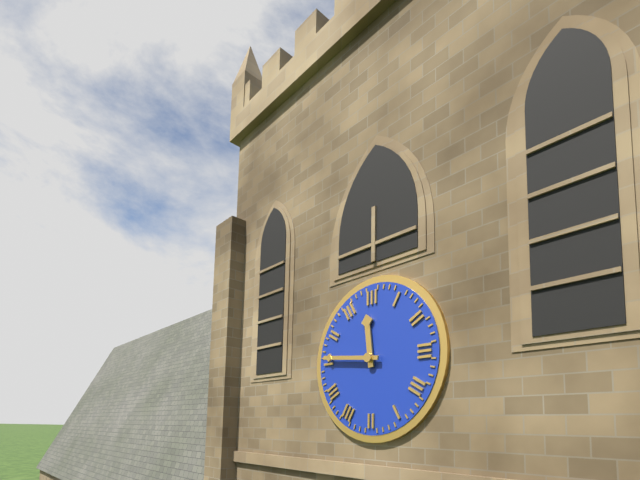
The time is h=11 m=46
